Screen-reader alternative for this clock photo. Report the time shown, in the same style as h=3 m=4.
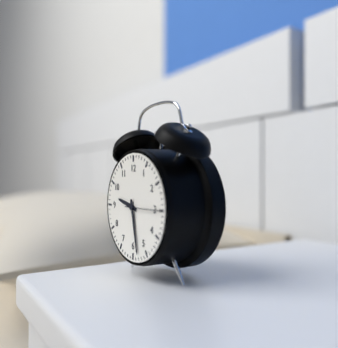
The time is h=9 m=28
